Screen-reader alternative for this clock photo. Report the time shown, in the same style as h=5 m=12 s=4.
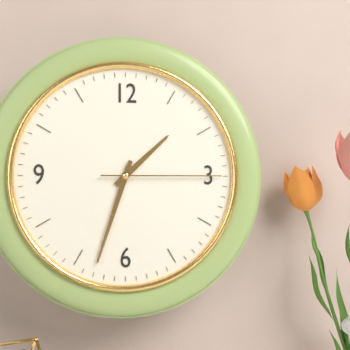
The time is h=1 m=33 s=15
